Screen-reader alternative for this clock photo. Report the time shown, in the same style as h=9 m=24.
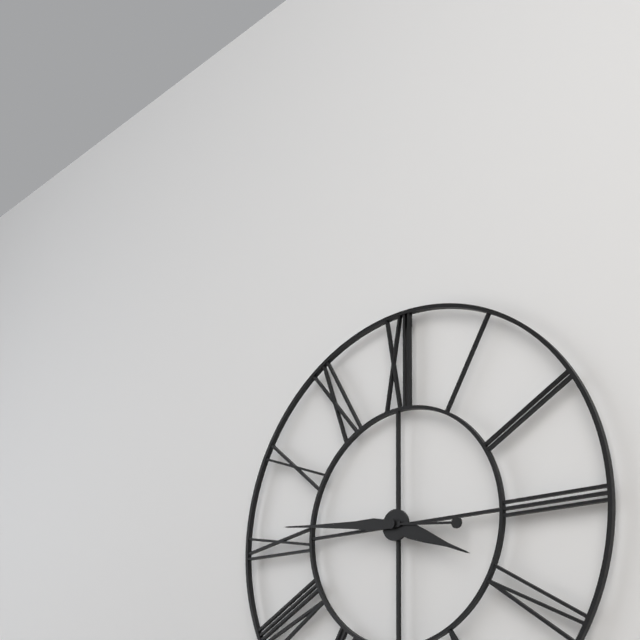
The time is h=3 m=46
